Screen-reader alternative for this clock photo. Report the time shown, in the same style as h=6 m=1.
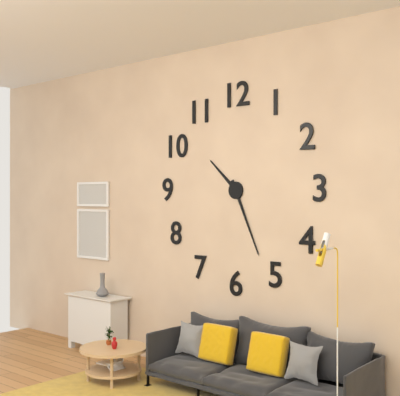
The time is h=10 m=26
